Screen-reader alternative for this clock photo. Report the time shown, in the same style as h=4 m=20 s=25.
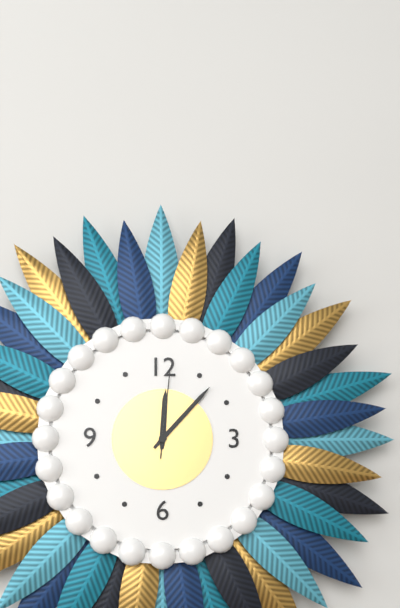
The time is h=12 m=7 s=1
